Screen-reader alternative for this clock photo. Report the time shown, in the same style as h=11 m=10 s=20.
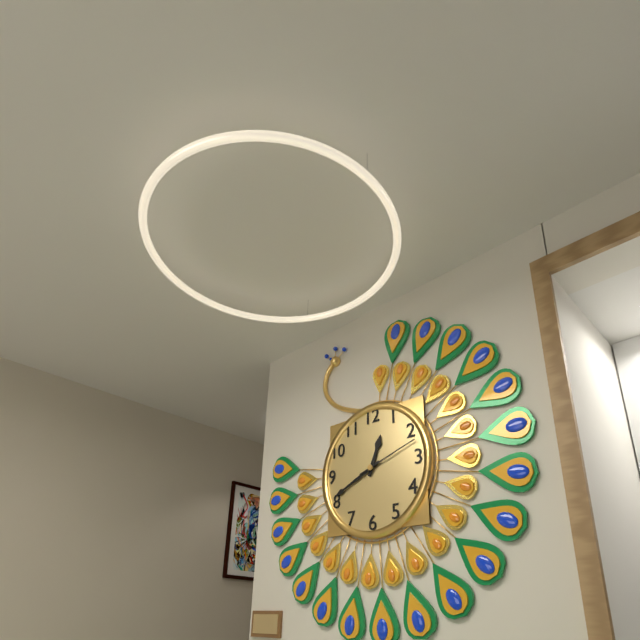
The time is h=12 m=41 s=12
